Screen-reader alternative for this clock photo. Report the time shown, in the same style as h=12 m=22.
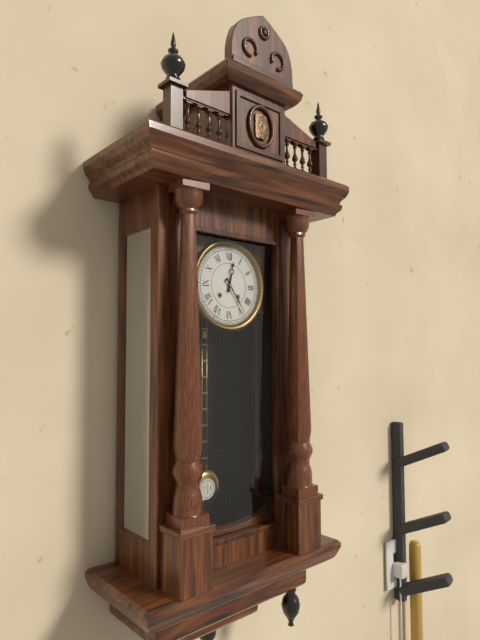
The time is h=12 m=24
